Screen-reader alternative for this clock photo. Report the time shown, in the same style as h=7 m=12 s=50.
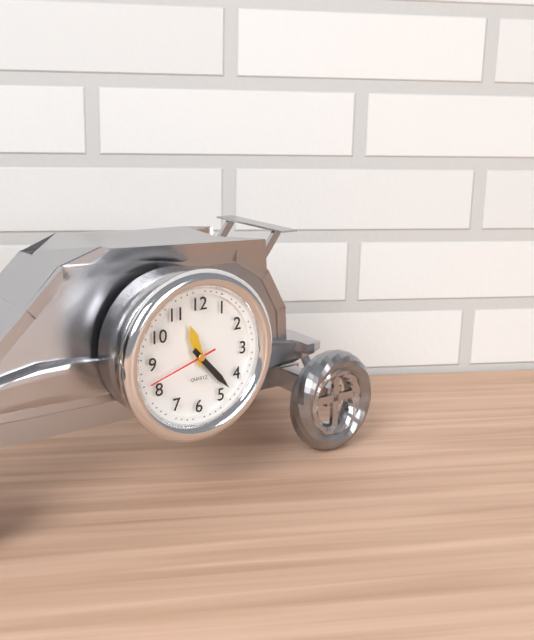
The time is h=11 m=23 s=42
